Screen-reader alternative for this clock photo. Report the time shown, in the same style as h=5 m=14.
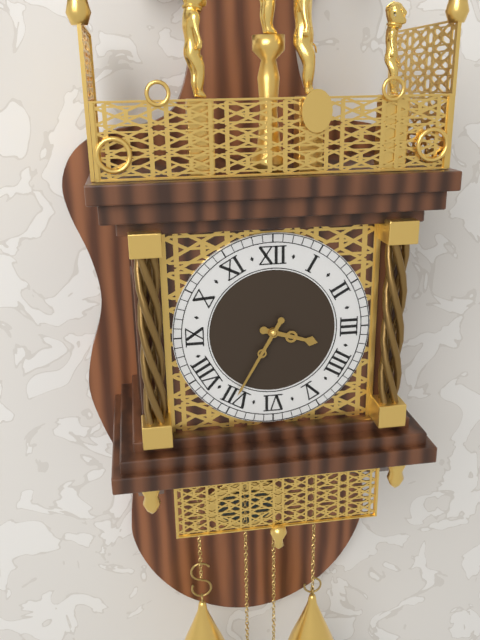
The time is h=3 m=35
